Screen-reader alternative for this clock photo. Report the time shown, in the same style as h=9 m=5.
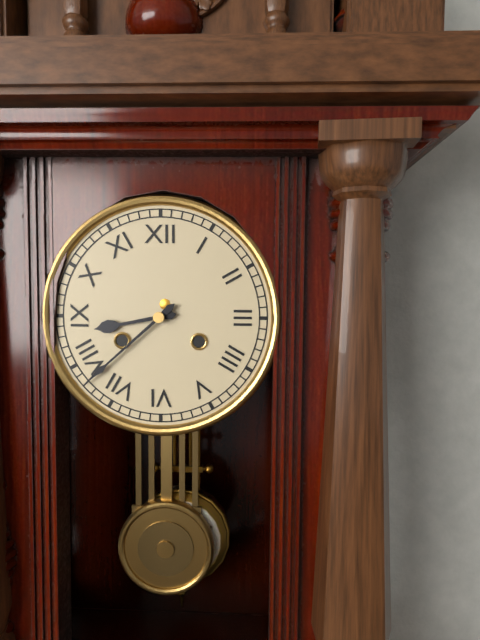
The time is h=8 m=38
